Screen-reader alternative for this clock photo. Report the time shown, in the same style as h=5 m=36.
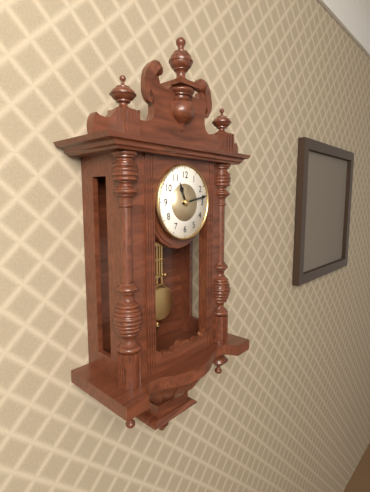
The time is h=11 m=13
